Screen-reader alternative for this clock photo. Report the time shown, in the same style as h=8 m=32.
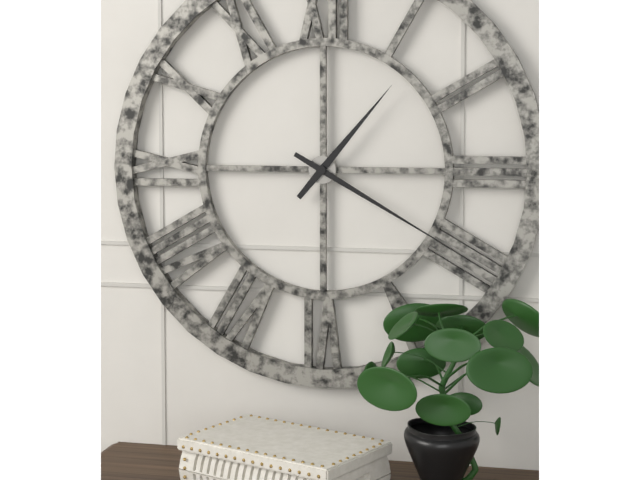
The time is h=1 m=20
